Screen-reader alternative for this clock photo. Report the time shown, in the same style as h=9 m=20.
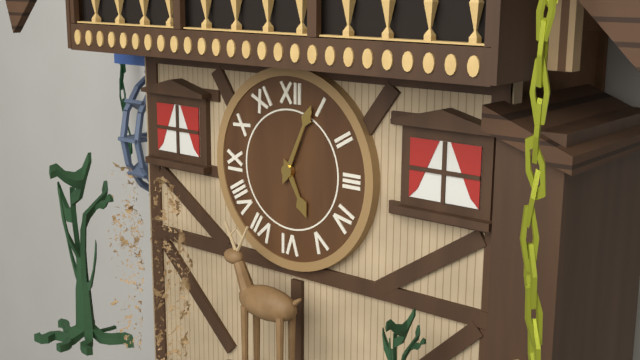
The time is h=5 m=4
